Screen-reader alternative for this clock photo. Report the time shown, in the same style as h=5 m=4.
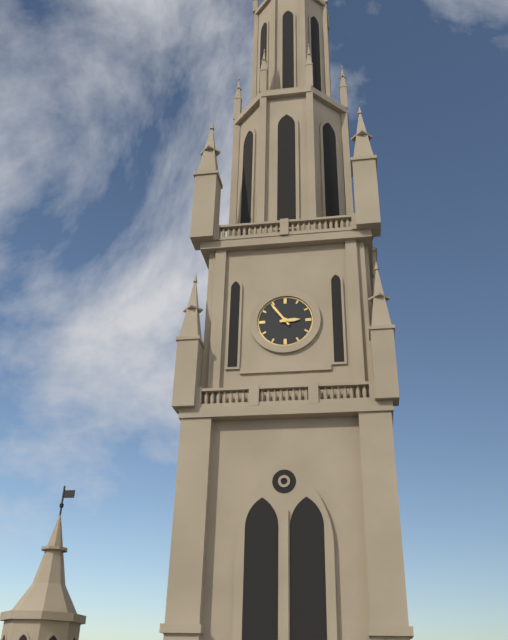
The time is h=2 m=54
